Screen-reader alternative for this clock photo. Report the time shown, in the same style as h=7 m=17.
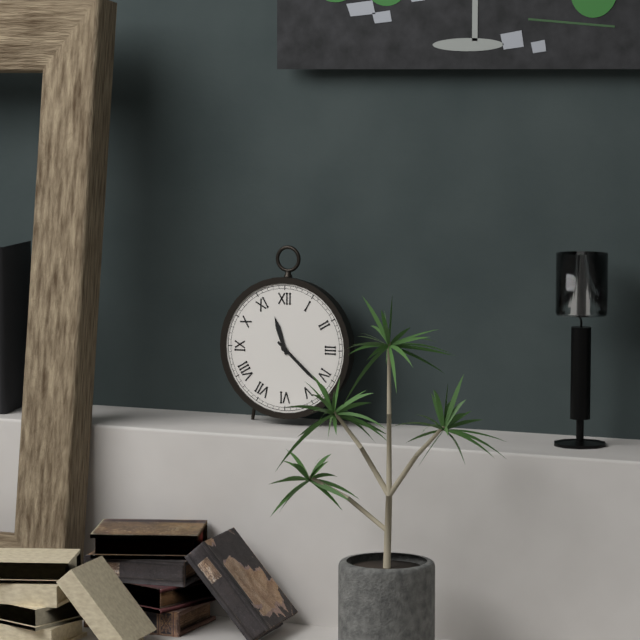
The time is h=11 m=22
